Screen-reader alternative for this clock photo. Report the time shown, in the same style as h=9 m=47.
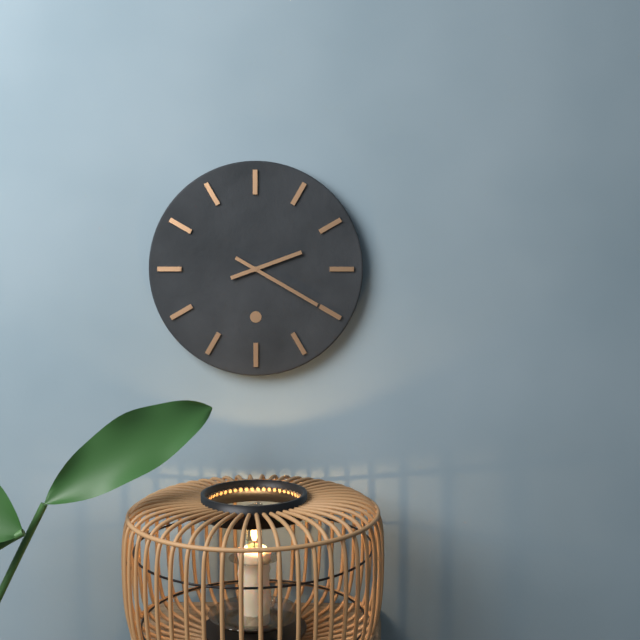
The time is h=2 m=20
